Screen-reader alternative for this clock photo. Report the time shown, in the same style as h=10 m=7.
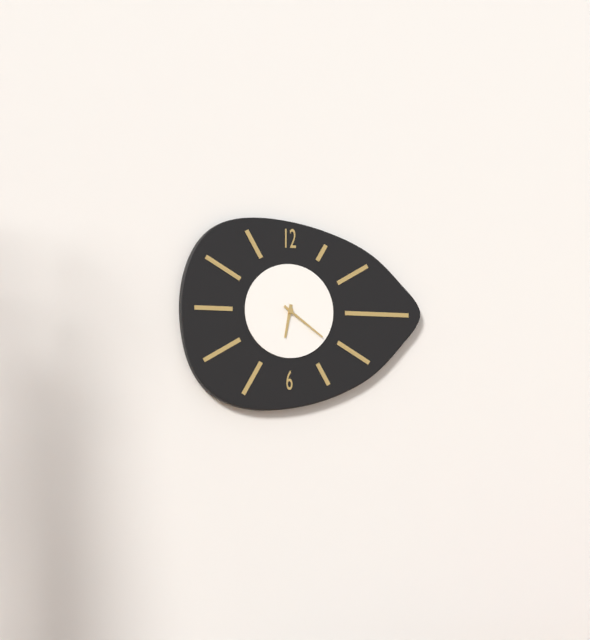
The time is h=6 m=21
